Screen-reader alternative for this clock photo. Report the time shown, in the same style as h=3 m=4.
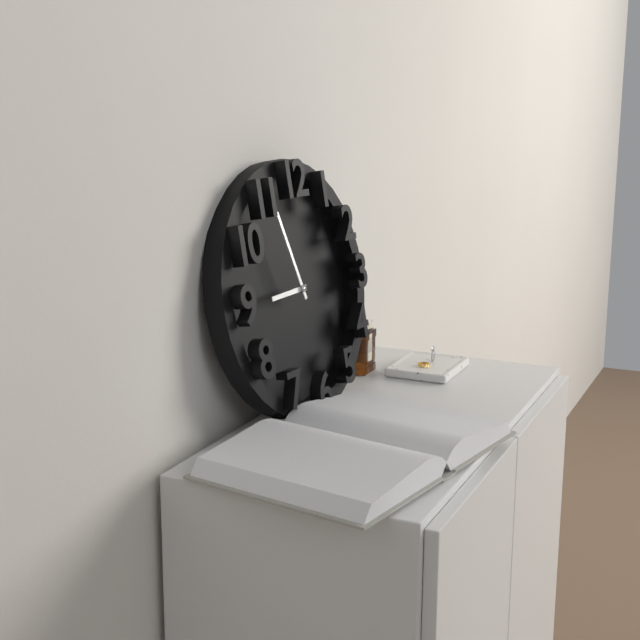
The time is h=8 m=57
